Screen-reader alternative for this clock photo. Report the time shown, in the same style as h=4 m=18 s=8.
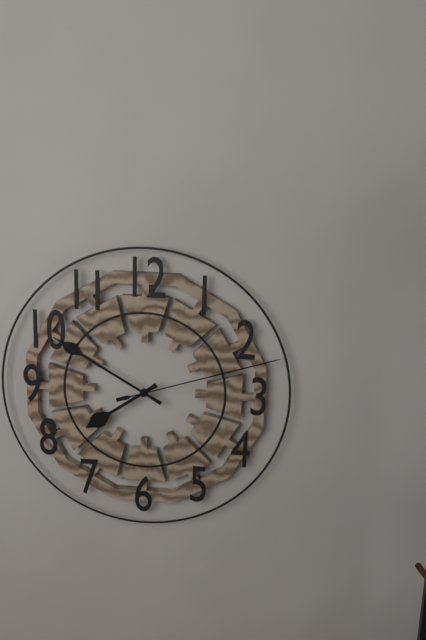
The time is h=7 m=50 s=12
